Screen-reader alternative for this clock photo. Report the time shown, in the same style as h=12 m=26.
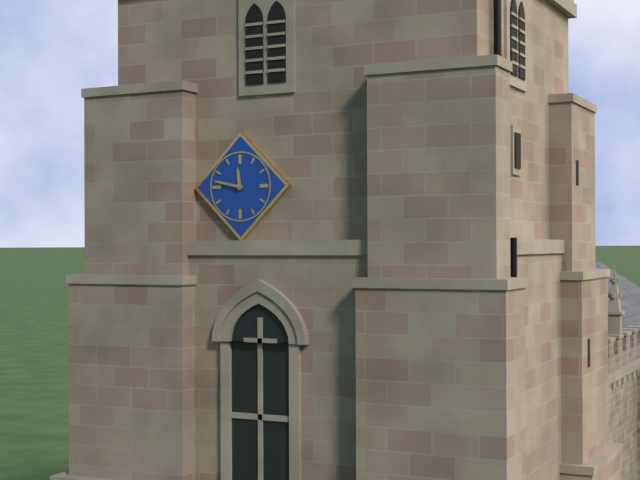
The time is h=11 m=47
